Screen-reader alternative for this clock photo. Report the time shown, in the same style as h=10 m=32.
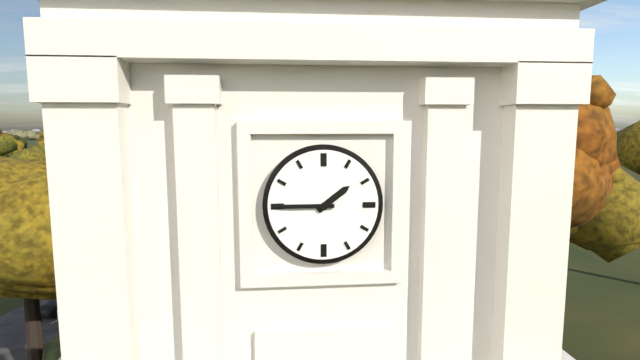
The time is h=1 m=45
